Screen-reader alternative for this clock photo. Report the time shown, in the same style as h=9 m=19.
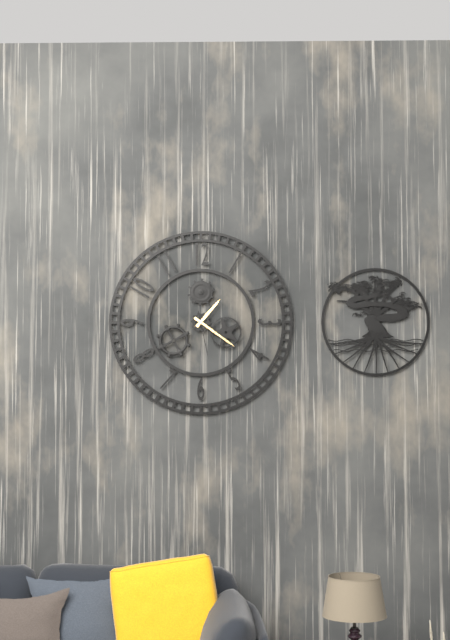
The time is h=1 m=21
